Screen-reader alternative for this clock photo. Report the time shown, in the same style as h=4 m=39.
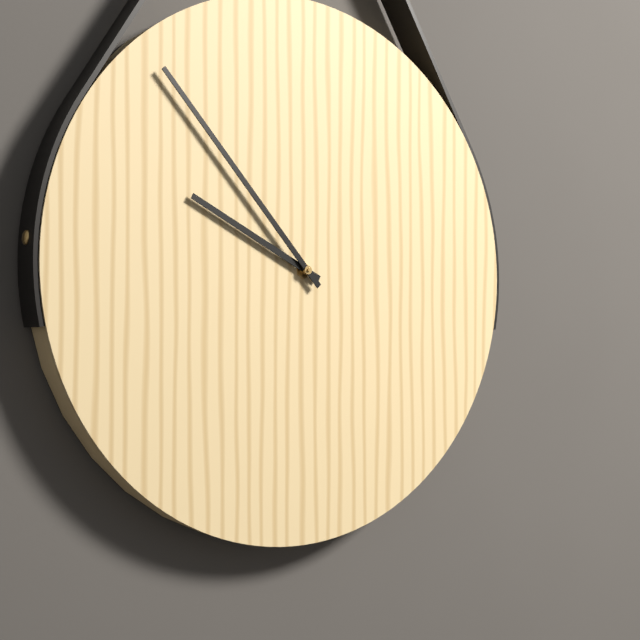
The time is h=9 m=53
